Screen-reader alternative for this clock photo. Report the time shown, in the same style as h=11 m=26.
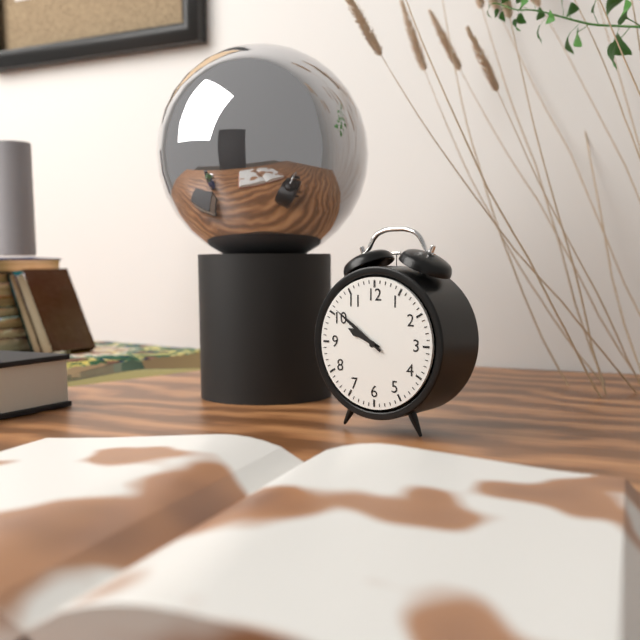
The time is h=9 m=51
